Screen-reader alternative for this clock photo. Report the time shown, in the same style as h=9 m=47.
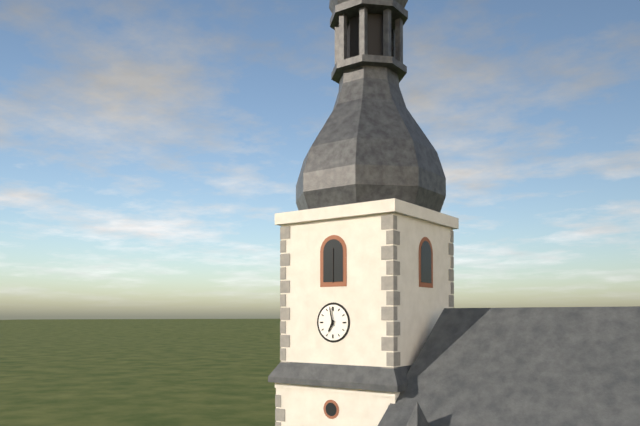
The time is h=6 m=58
